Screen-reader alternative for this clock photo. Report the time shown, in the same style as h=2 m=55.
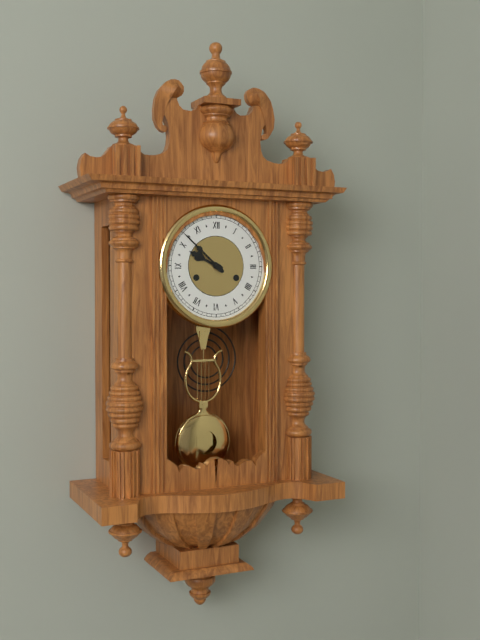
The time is h=9 m=52
